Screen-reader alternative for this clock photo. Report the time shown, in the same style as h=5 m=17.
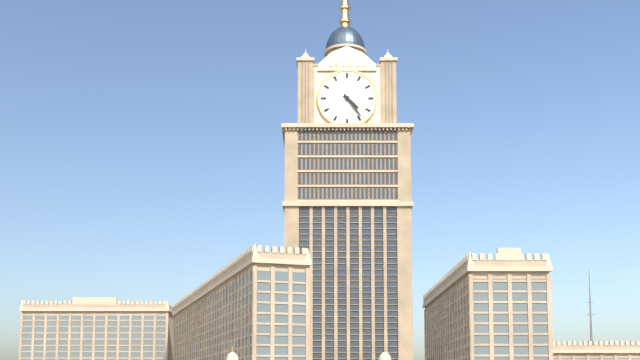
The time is h=4 m=24
